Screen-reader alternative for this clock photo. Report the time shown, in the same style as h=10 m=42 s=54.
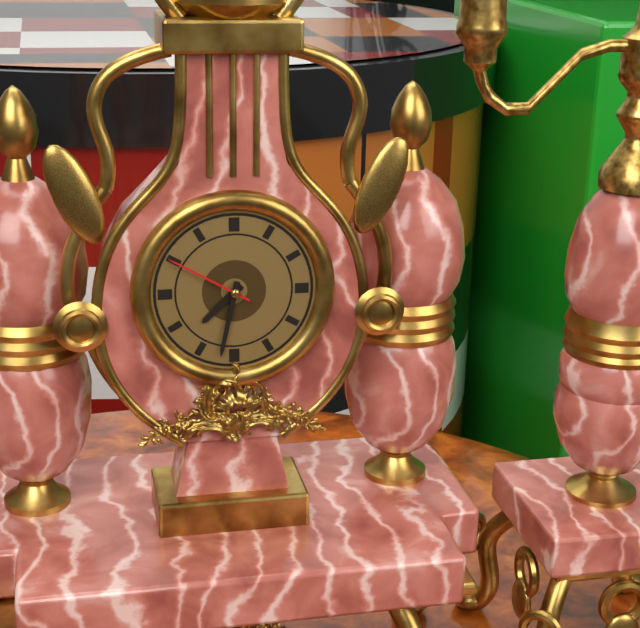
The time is h=7 m=32 s=50
